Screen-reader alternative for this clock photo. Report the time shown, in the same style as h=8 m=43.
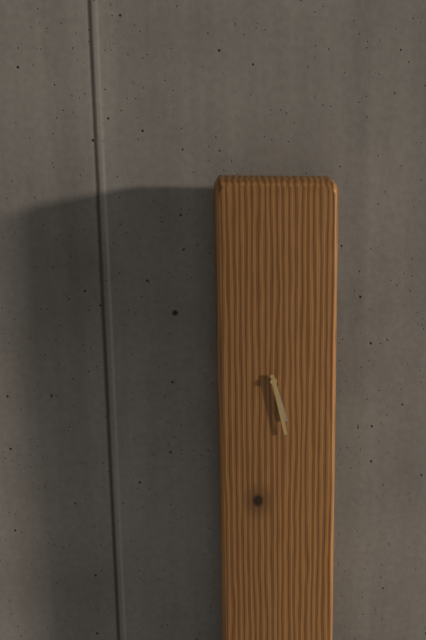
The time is h=5 m=28
